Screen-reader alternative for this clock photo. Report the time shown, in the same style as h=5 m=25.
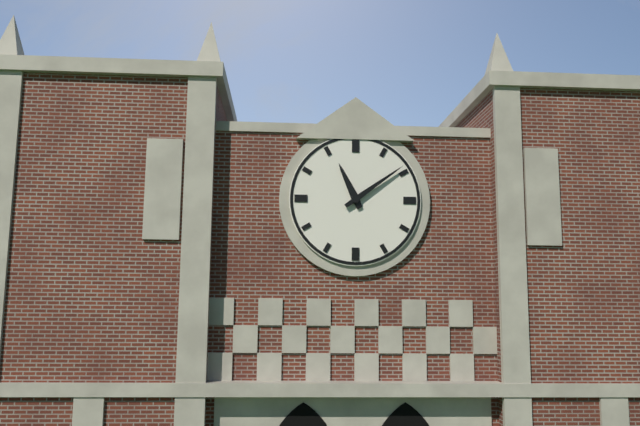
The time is h=11 m=9
